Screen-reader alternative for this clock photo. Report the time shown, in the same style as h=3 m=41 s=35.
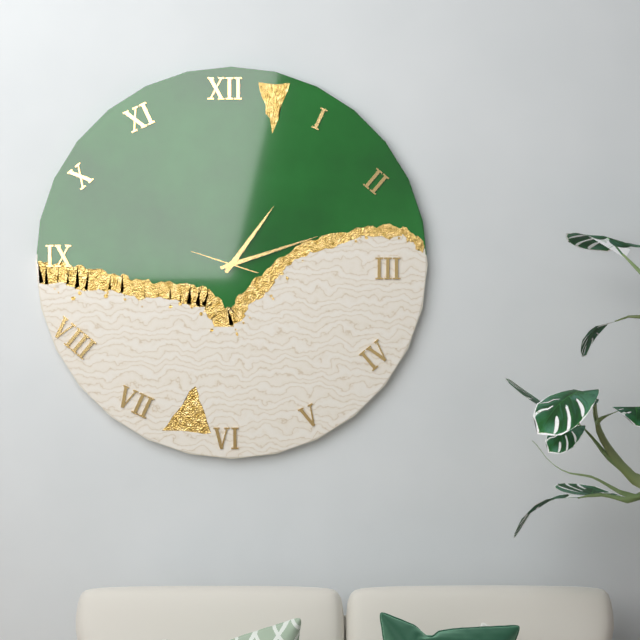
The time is h=1 m=12 s=48
